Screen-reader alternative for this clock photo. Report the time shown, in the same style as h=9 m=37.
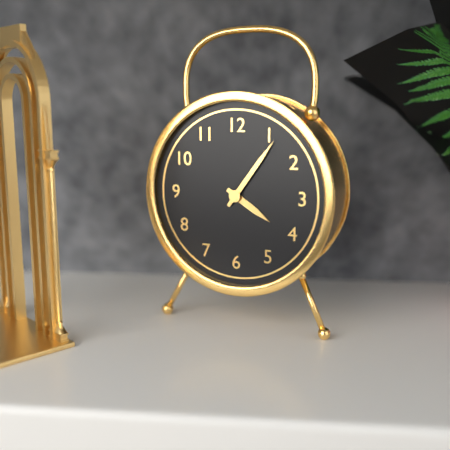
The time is h=4 m=6
